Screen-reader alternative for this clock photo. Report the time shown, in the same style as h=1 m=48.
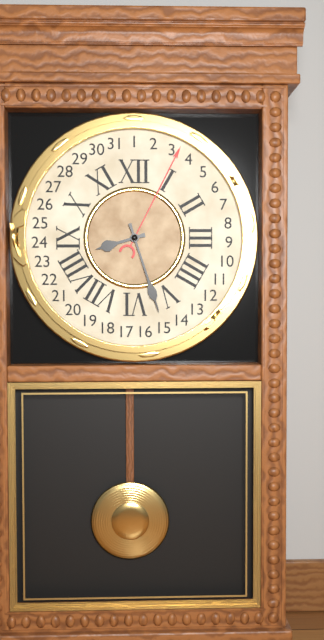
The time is h=8 m=27
